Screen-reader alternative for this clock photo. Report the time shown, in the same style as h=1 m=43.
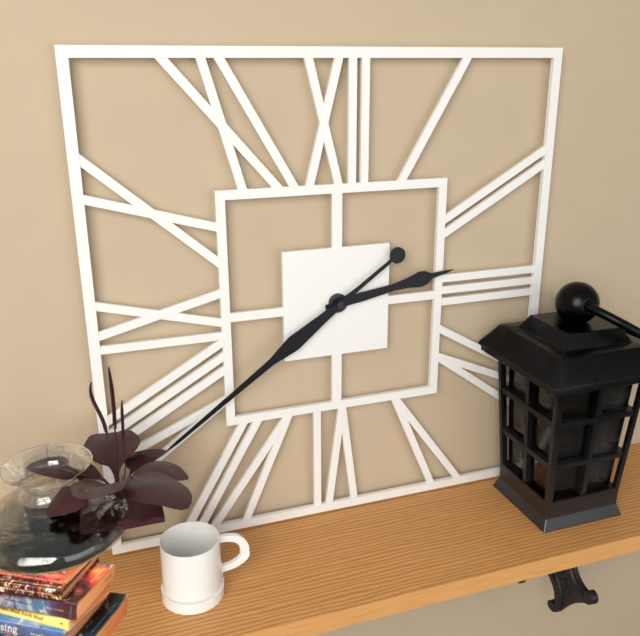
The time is h=2 m=39
